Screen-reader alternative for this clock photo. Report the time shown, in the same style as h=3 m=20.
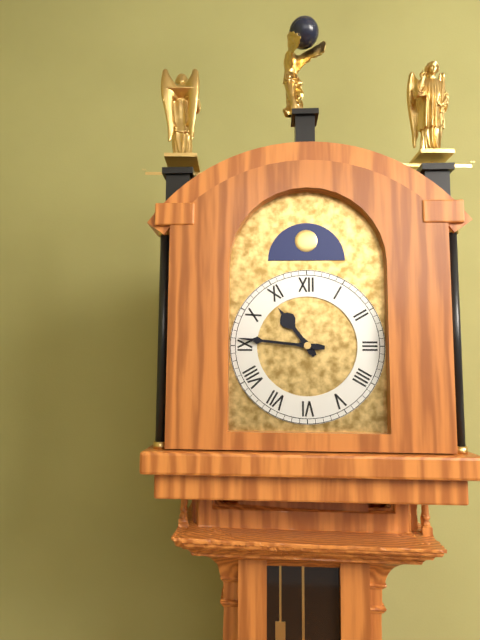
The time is h=10 m=46
